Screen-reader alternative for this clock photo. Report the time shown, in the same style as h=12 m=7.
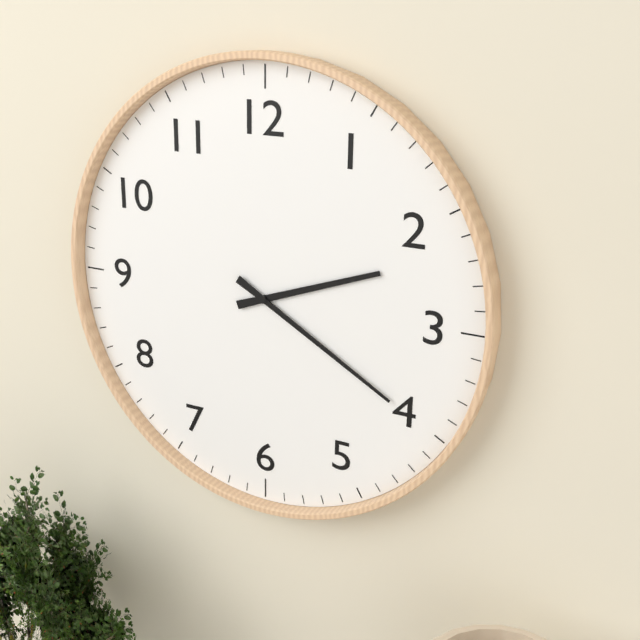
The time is h=2 m=20
